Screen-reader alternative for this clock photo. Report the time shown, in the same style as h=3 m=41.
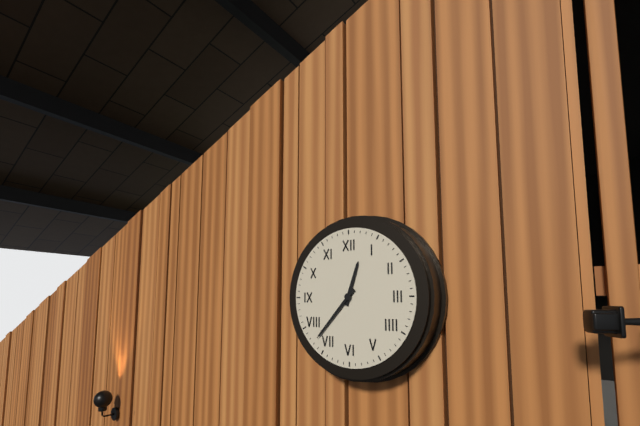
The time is h=12 m=37
